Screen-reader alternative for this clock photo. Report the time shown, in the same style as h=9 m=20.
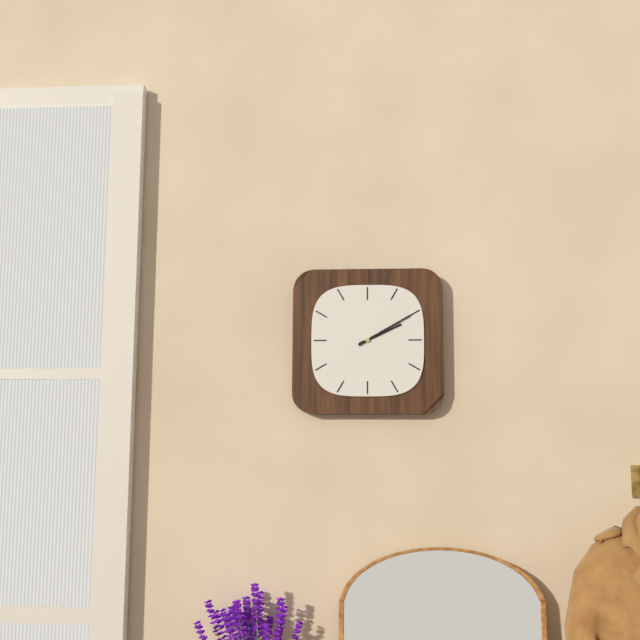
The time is h=2 m=10
